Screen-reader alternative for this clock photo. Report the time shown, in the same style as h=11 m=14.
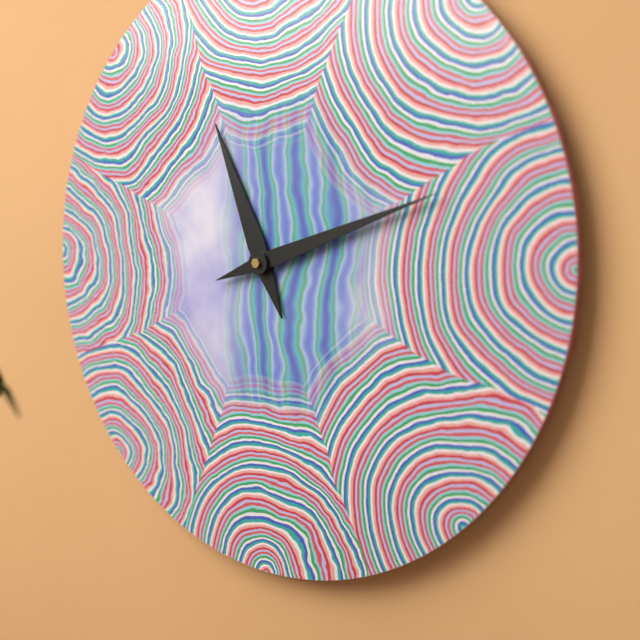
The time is h=11 m=12
